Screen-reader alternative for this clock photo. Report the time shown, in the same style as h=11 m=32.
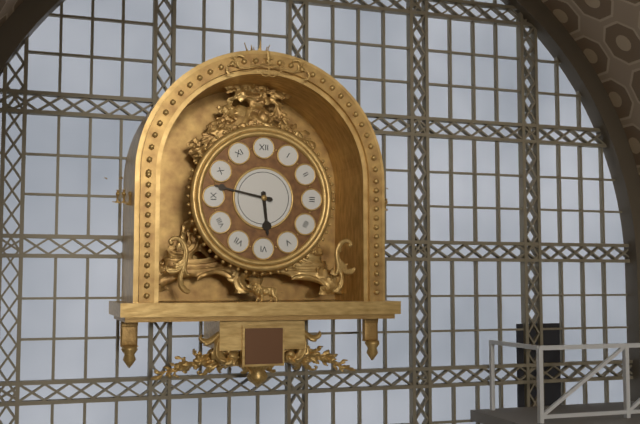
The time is h=5 m=47
